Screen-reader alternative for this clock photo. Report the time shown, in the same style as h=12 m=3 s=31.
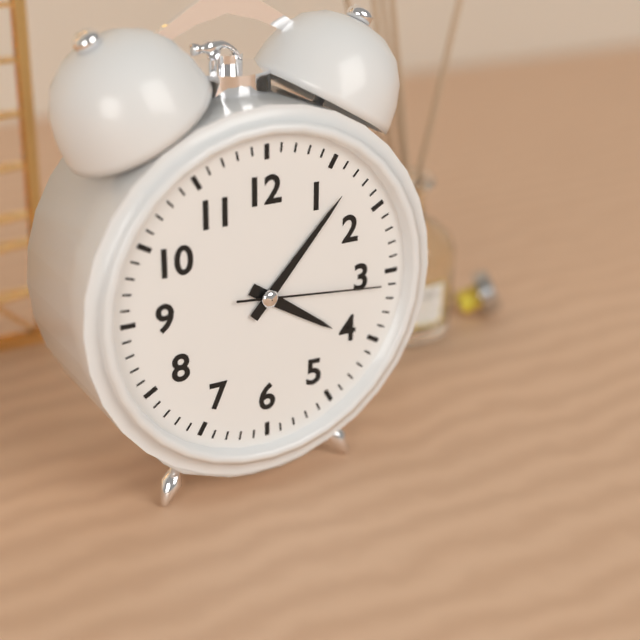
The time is h=4 m=7 s=16
